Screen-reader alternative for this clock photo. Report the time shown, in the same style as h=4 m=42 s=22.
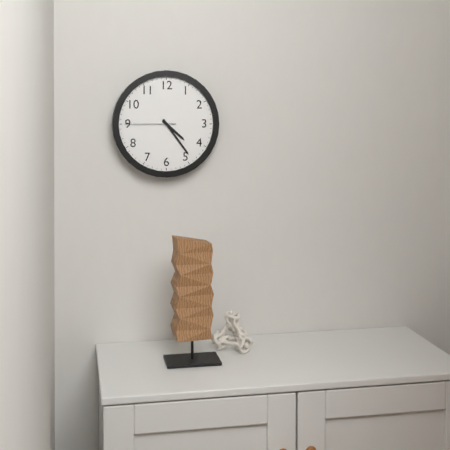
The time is h=4 m=24 s=45
